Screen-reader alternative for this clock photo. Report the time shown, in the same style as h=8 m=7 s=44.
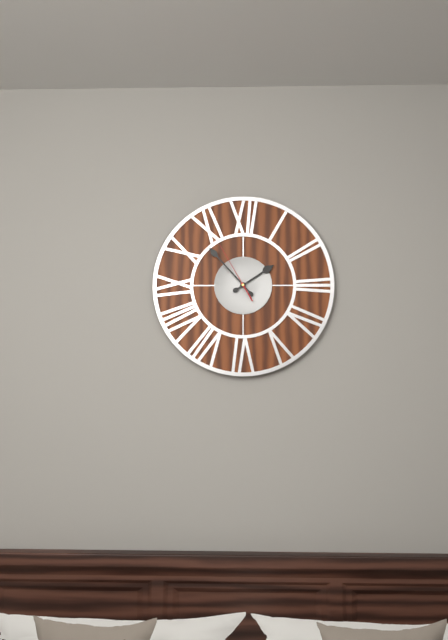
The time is h=1 m=53 s=55
